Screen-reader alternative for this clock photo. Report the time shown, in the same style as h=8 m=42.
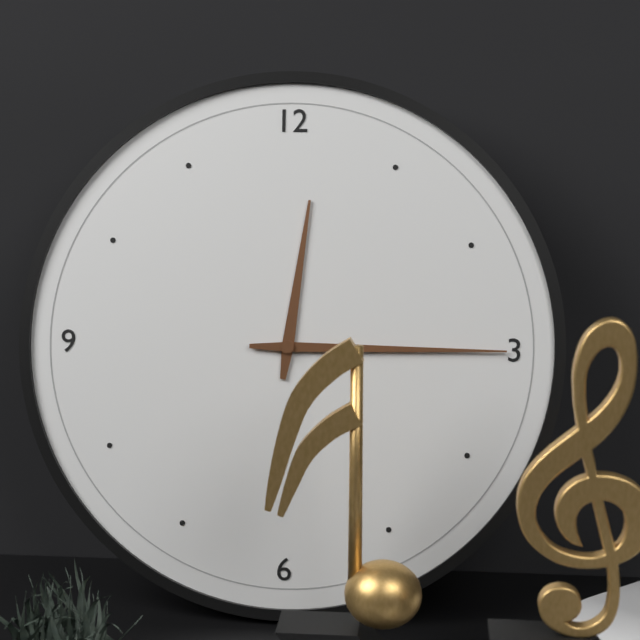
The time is h=12 m=15
